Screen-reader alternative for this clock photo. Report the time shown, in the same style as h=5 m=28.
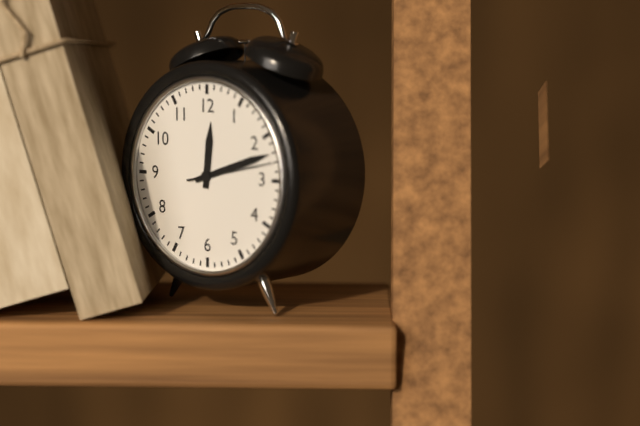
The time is h=12 m=12
